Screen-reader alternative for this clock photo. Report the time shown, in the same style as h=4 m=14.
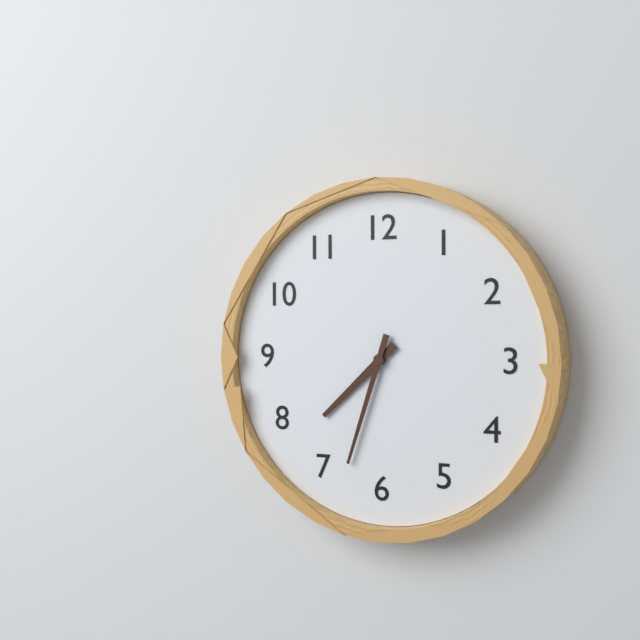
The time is h=7 m=33
